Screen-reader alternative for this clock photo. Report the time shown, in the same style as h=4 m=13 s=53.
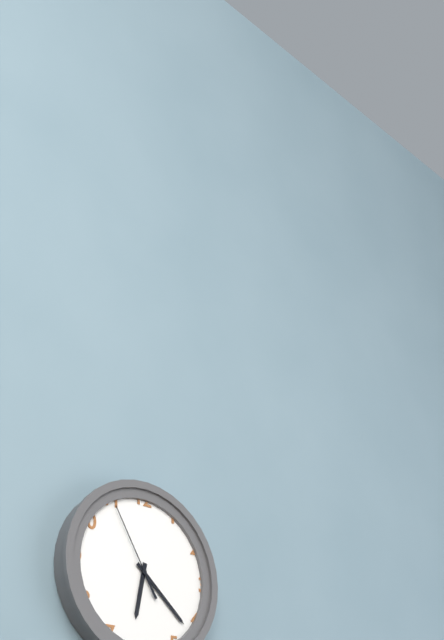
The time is h=6 m=22 s=55
